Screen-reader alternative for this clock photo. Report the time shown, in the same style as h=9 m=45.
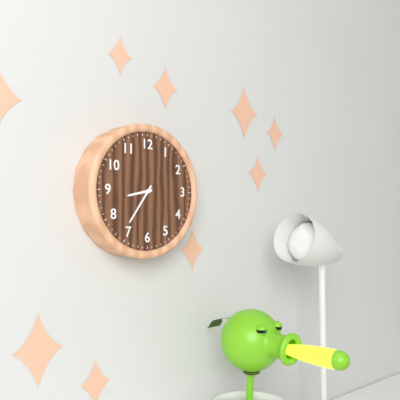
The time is h=8 m=36
